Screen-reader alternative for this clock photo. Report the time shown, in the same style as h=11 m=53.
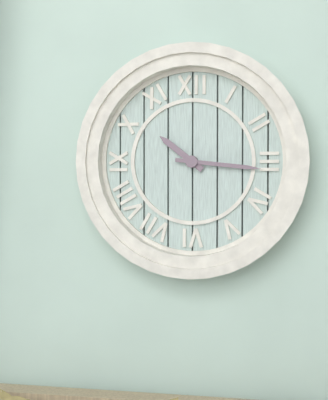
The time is h=10 m=16
